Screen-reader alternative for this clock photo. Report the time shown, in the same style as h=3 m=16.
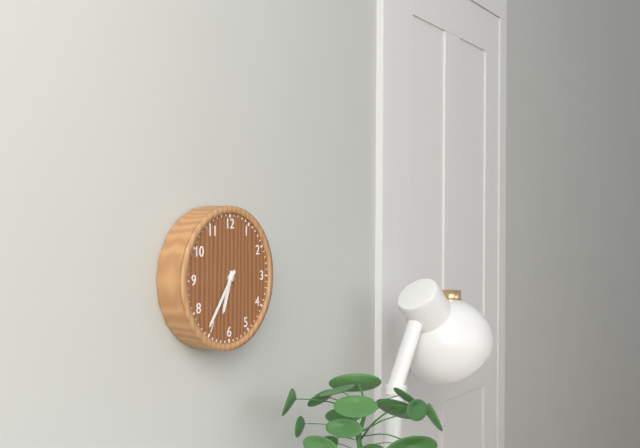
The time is h=6 m=36
